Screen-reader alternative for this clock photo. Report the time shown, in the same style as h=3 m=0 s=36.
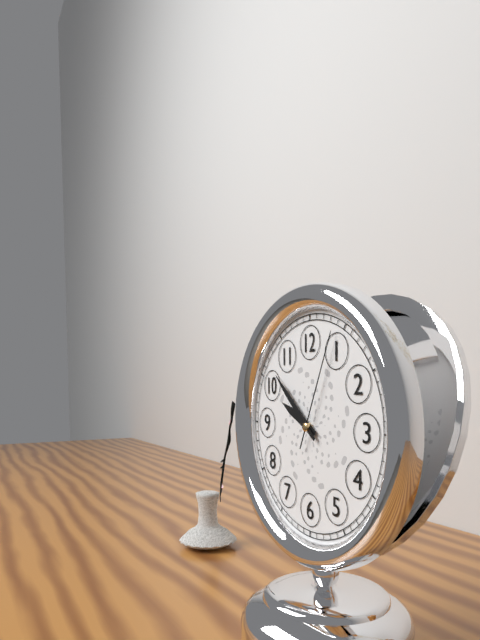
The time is h=9 m=52 s=4
